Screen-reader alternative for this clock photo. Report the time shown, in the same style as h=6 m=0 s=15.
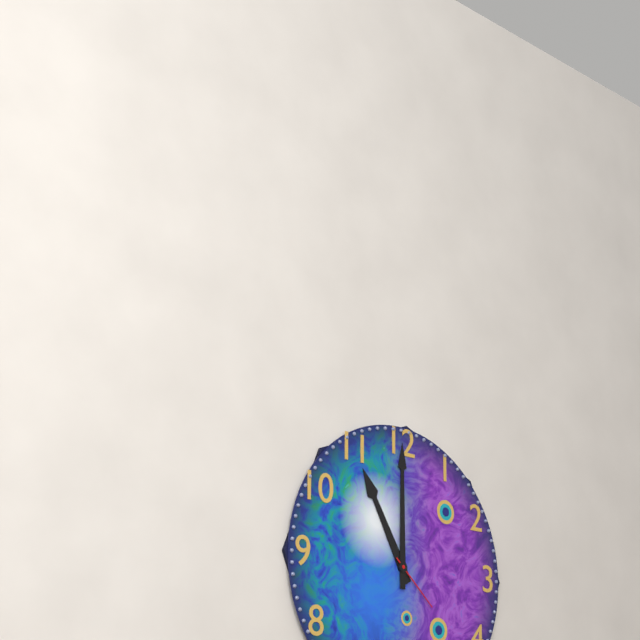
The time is h=11 m=0 s=22
